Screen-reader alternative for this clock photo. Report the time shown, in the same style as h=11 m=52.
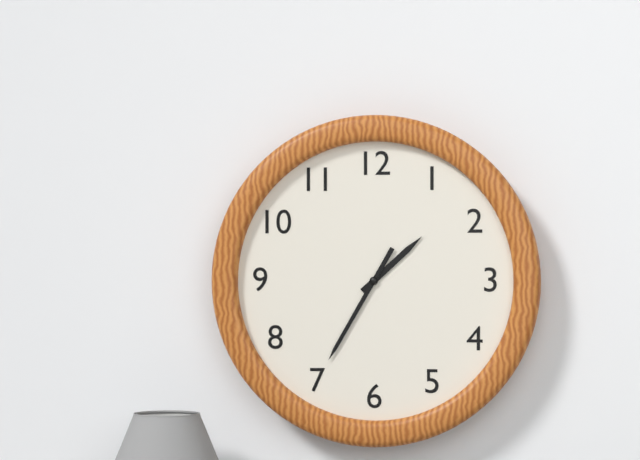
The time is h=1 m=35
